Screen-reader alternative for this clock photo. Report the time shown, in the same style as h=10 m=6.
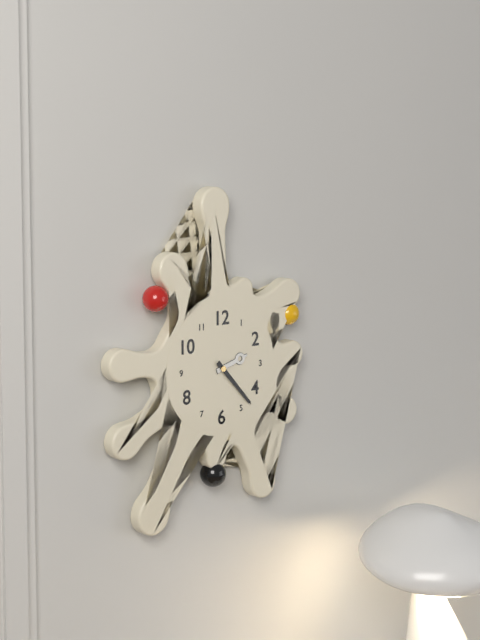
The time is h=2 m=23
